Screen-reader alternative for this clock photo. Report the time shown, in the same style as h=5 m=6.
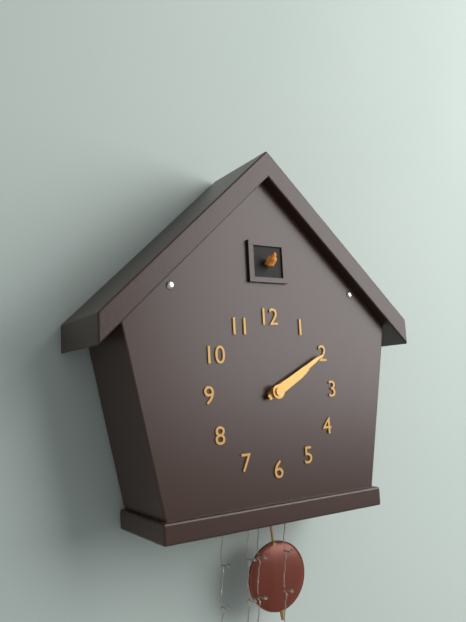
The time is h=2 m=10
